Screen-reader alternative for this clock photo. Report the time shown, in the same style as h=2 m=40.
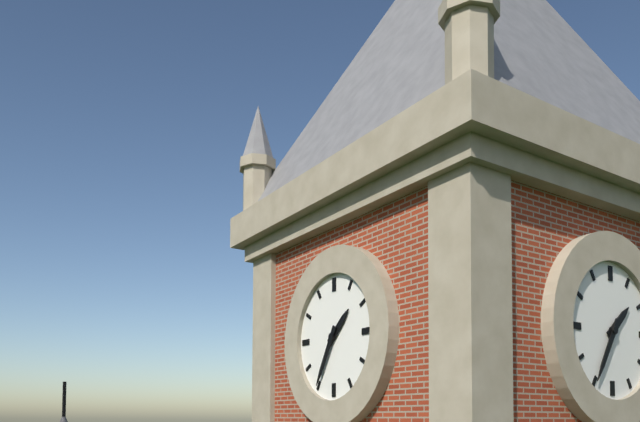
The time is h=1 m=35
